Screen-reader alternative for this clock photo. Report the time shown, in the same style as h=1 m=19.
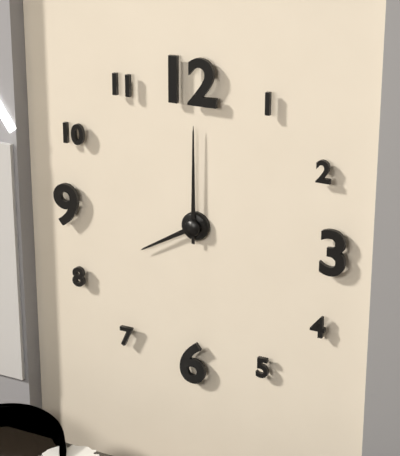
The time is h=8 m=0
